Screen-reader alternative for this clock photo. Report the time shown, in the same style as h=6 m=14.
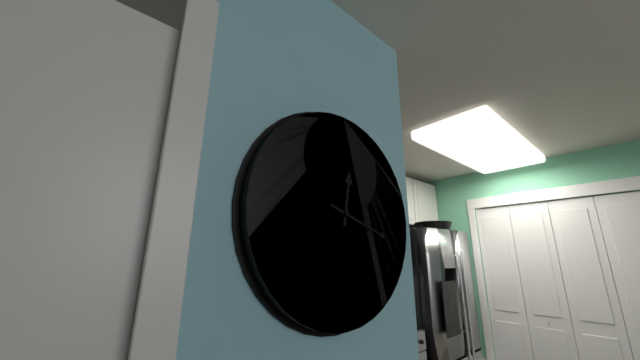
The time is h=12 m=18
